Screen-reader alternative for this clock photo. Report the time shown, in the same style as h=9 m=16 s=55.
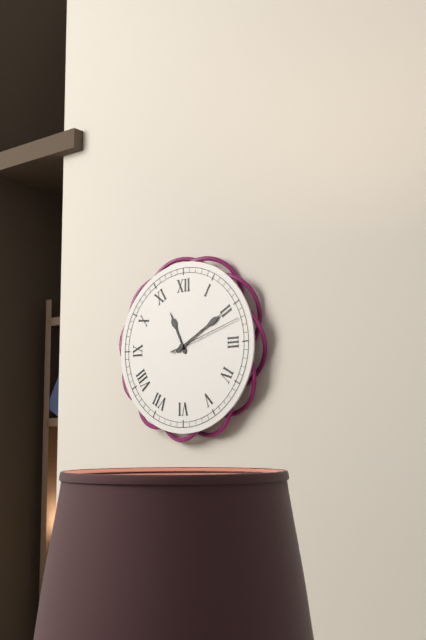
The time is h=11 m=10 s=12
